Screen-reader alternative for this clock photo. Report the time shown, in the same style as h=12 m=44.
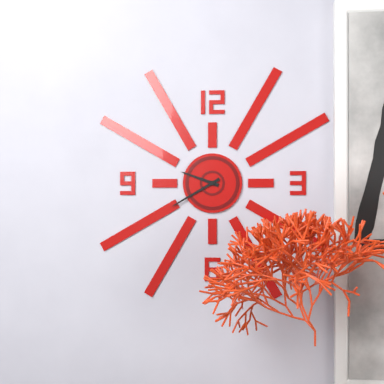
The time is h=9 m=40
